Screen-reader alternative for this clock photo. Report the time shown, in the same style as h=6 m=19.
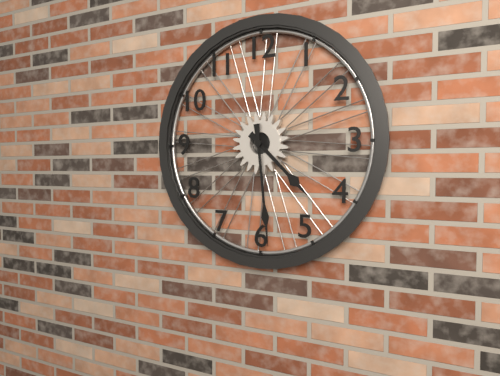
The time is h=4 m=29
